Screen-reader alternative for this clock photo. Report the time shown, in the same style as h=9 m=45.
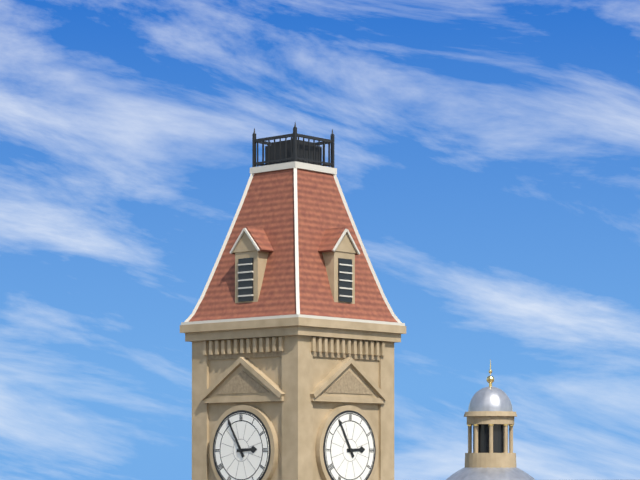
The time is h=2 m=55
